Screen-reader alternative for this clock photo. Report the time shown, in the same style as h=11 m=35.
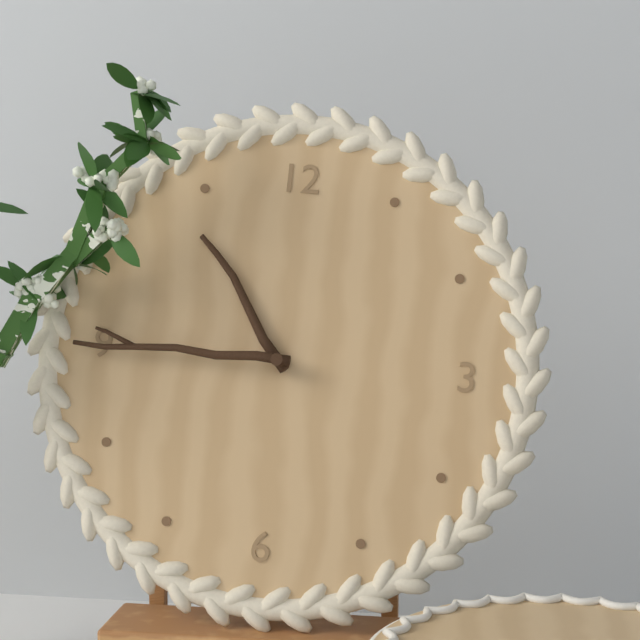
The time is h=10 m=45
